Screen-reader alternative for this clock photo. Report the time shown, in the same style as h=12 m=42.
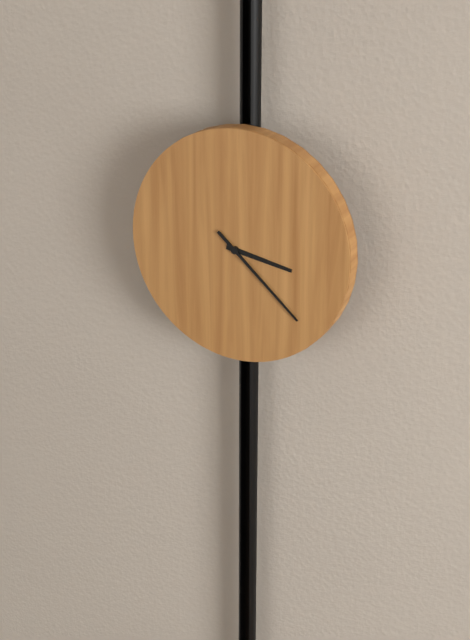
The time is h=3 m=22
